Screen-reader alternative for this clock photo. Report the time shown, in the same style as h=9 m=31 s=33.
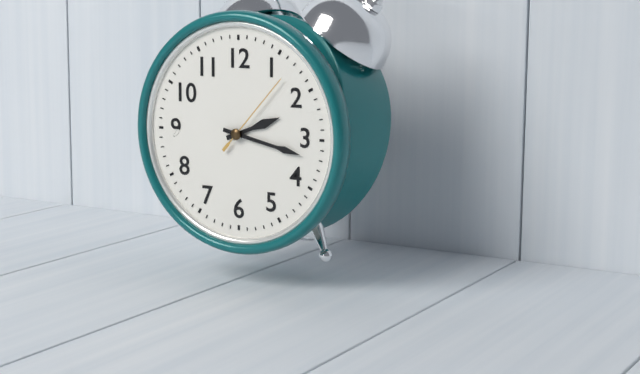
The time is h=2 m=17 s=7
